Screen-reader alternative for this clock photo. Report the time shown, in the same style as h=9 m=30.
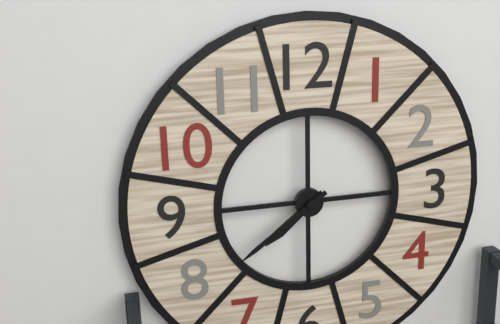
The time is h=7 m=39
